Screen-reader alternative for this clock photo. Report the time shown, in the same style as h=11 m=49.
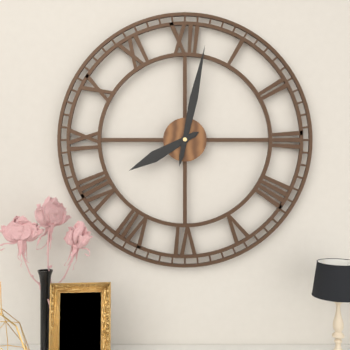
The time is h=8 m=2
